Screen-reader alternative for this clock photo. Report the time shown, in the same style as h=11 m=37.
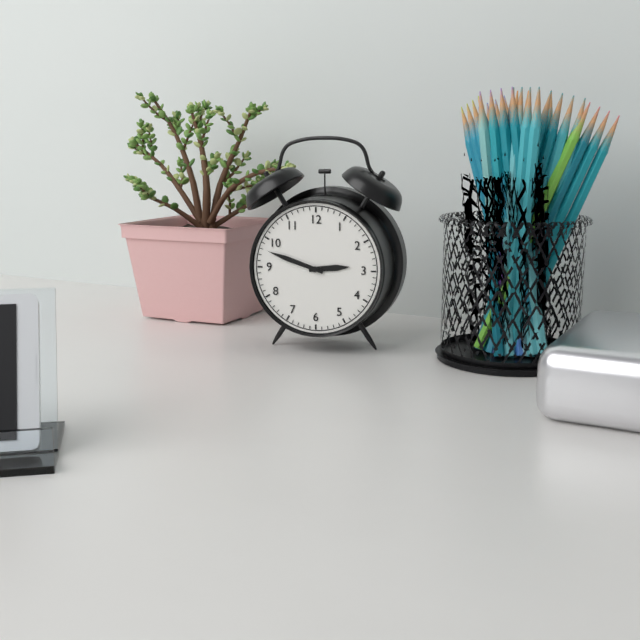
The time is h=2 m=48
